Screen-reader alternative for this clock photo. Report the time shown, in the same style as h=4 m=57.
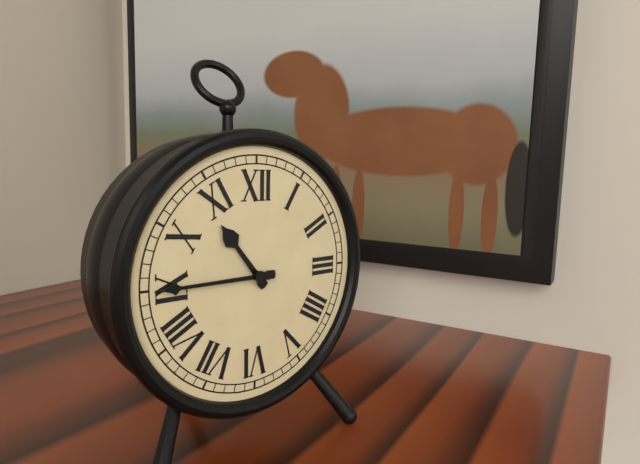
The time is h=10 m=45
